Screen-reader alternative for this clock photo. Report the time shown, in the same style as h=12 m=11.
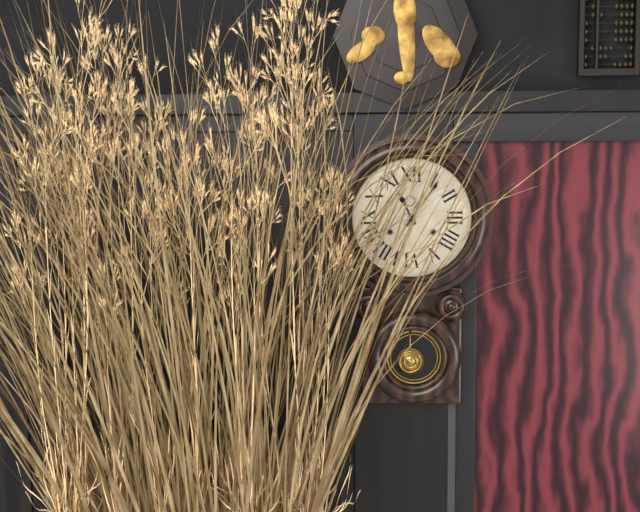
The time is h=11 m=6
